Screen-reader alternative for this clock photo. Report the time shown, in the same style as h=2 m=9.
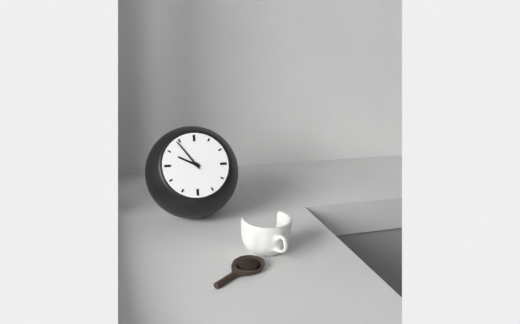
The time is h=9 m=54
